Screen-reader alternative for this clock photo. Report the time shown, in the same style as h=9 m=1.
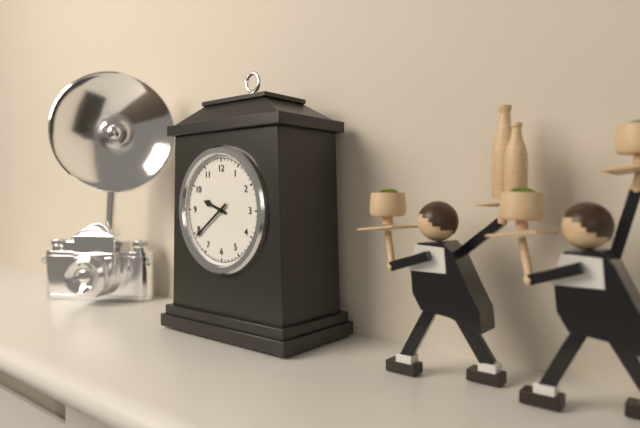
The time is h=9 m=39
